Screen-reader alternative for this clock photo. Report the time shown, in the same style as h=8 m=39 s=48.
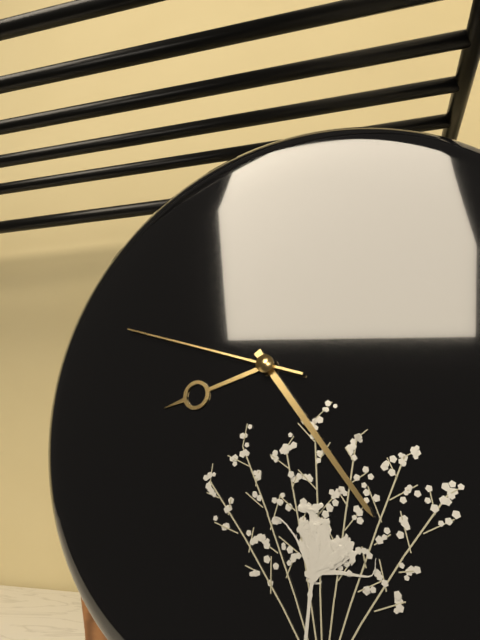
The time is h=8 m=24 s=48
